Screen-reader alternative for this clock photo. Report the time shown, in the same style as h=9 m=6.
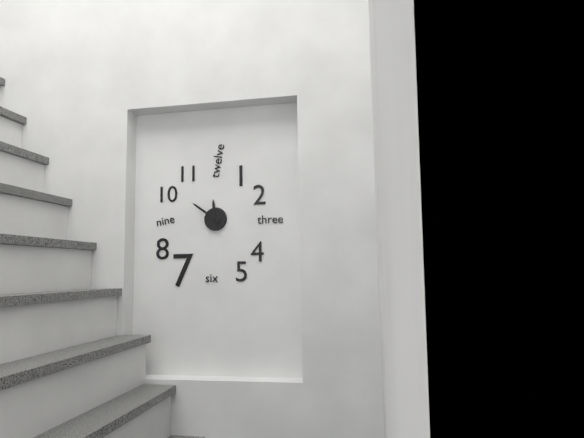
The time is h=11 m=51
